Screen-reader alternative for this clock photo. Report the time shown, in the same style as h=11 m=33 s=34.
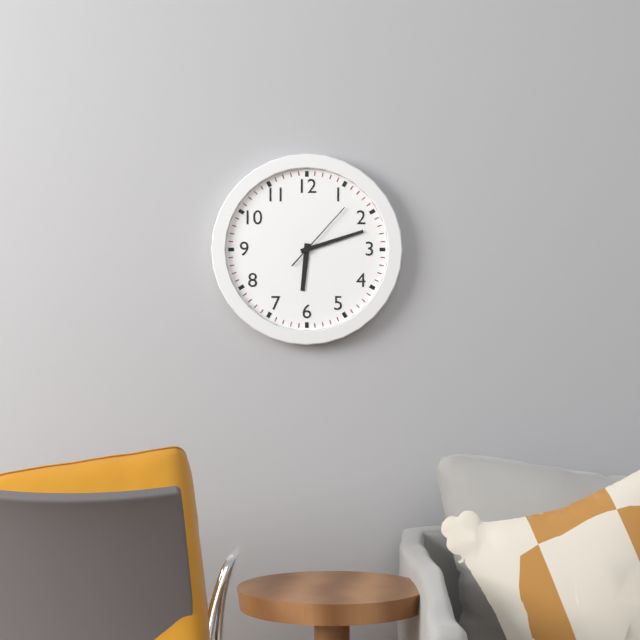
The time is h=6 m=12 s=7
